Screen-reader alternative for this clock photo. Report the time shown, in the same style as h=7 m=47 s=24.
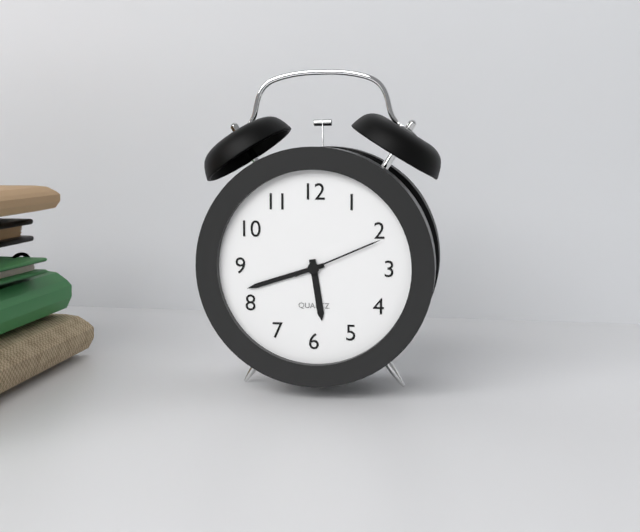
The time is h=5 m=42 s=11
